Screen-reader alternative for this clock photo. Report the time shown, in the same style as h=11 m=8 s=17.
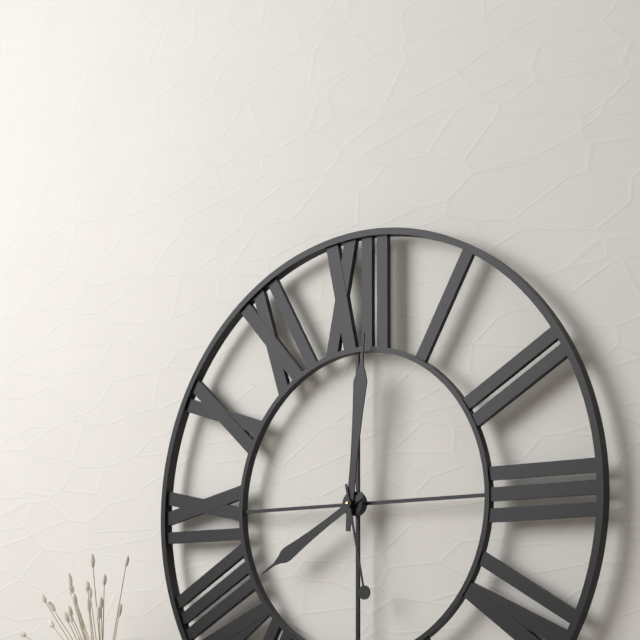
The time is h=8 m=1 s=28
